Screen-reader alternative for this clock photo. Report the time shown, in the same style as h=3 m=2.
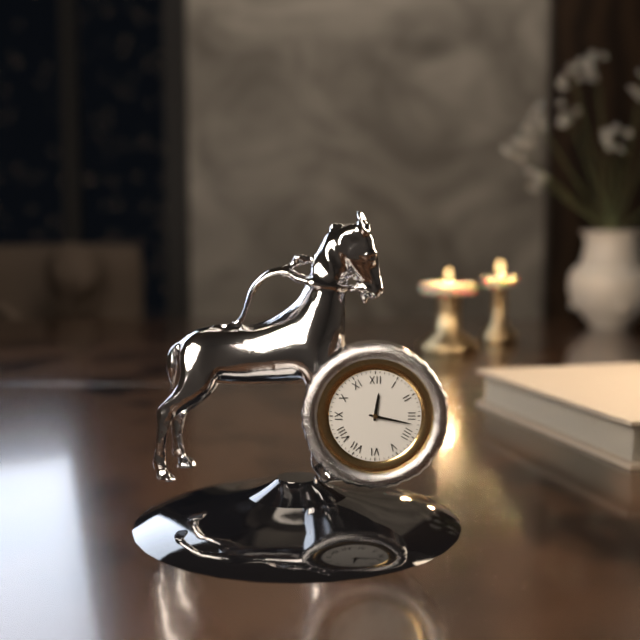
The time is h=12 m=17
